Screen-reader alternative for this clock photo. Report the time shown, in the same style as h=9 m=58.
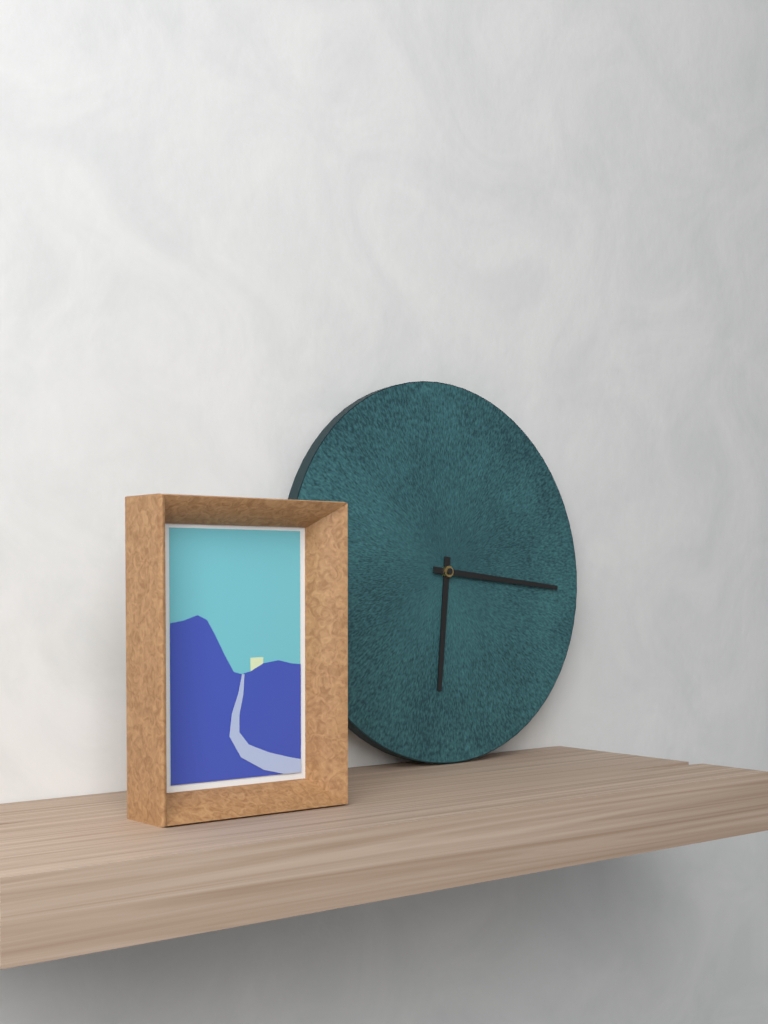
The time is h=6 m=16
